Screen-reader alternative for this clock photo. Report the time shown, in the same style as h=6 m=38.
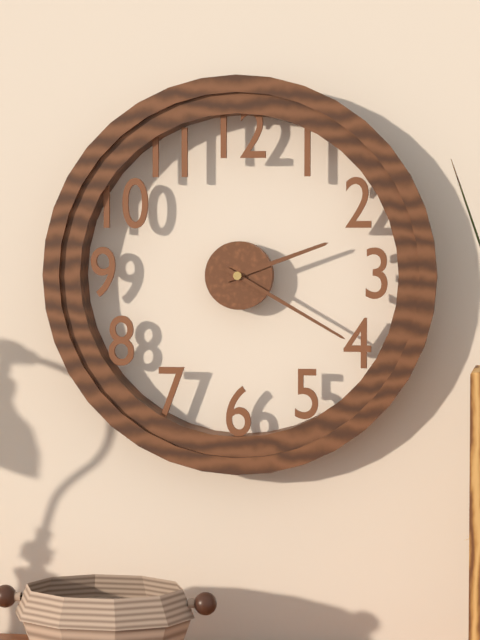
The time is h=2 m=20
